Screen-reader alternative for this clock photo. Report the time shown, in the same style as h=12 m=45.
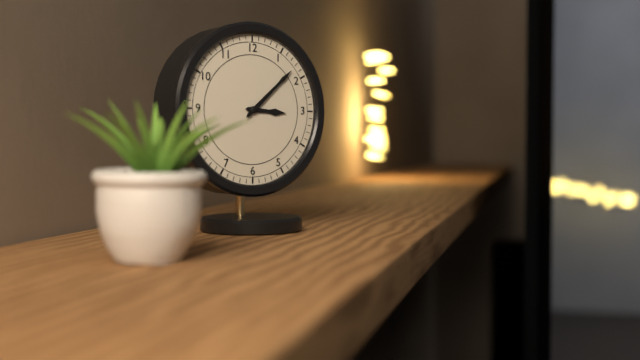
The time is h=3 m=8
